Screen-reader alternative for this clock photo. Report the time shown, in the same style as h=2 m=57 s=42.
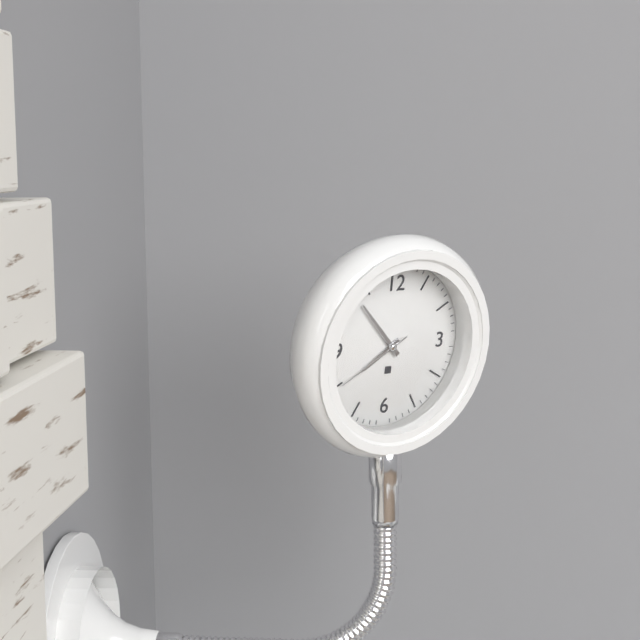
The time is h=7 m=53 s=40
